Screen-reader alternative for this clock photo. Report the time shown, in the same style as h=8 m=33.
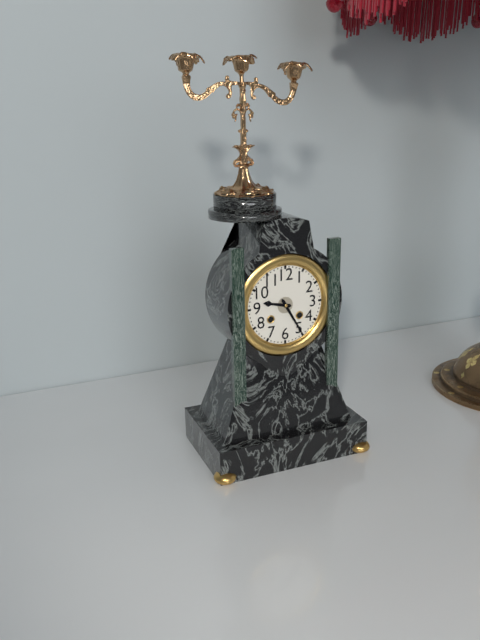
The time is h=9 m=25
